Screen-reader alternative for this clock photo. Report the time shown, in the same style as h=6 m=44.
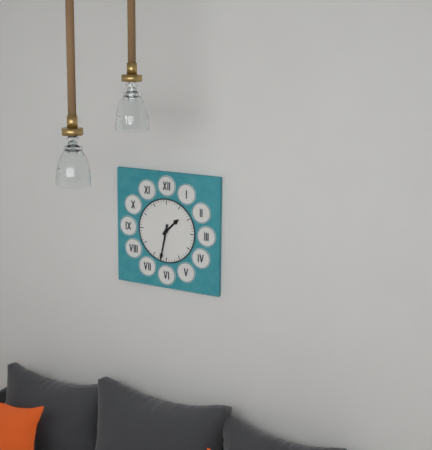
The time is h=1 m=32
